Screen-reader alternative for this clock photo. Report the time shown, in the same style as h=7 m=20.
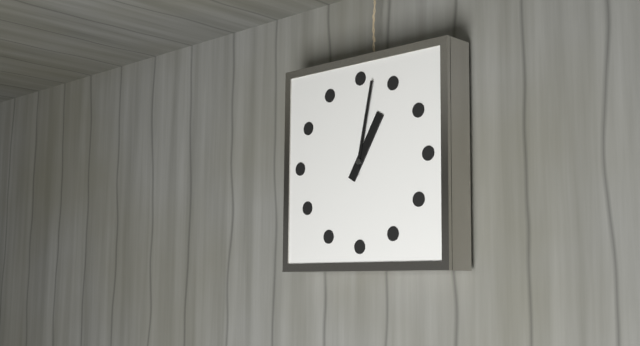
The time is h=1 m=2
